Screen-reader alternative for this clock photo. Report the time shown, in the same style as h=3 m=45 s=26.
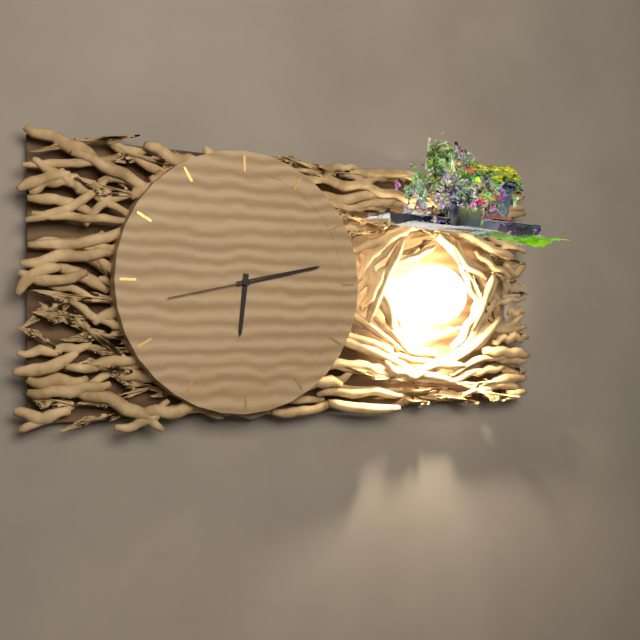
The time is h=6 m=13 s=43
